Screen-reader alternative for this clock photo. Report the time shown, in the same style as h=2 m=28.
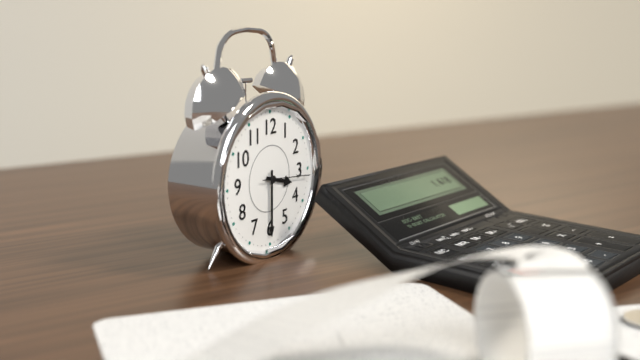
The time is h=3 m=30
